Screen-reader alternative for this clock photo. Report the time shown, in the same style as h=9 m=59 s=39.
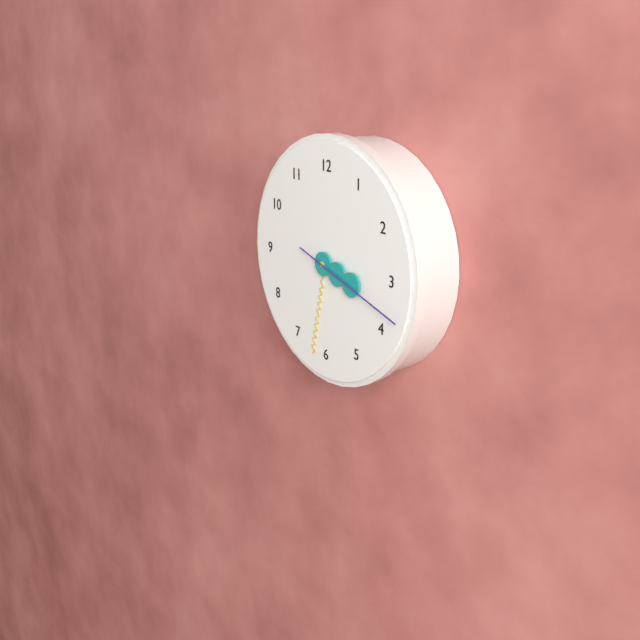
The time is h=3 m=32 s=18
